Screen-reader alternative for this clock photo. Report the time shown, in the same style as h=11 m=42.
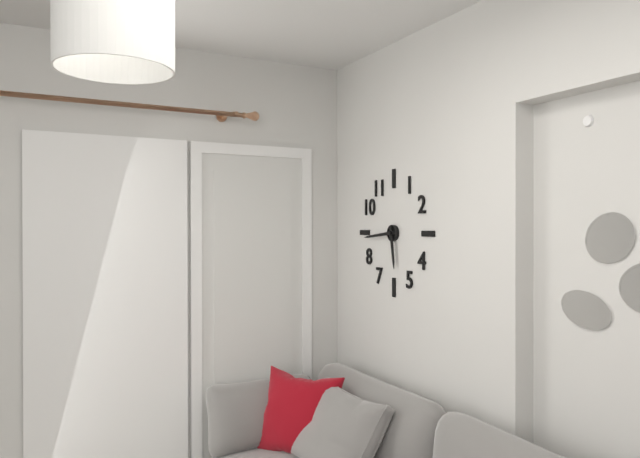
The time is h=5 m=44
